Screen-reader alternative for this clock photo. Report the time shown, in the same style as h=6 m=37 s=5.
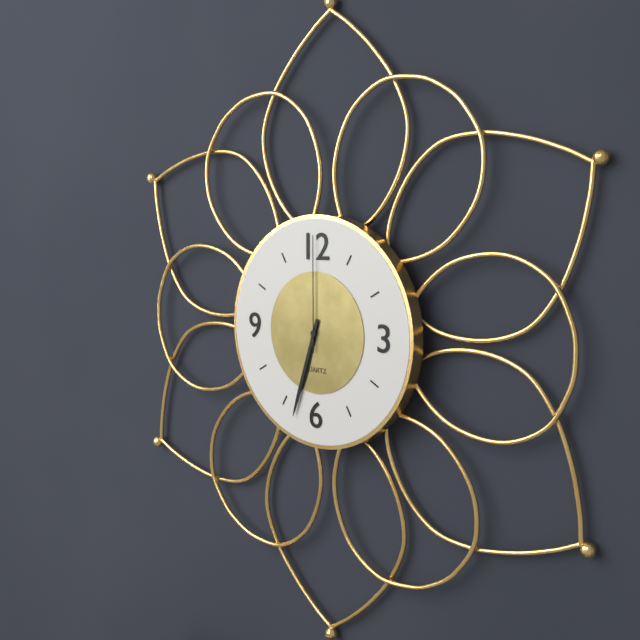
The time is h=6 m=33 s=0
